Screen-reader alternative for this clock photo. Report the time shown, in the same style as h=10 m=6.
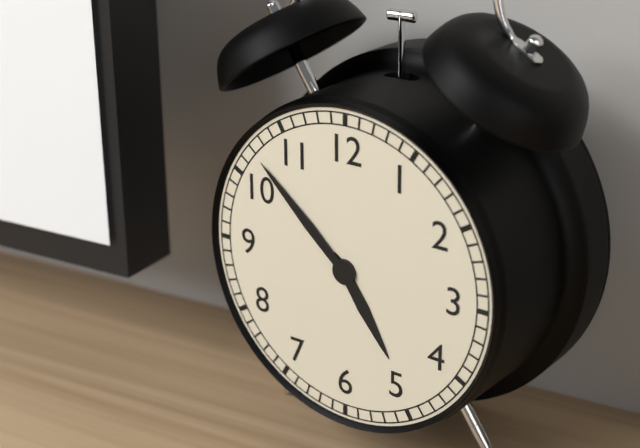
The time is h=4 m=52
